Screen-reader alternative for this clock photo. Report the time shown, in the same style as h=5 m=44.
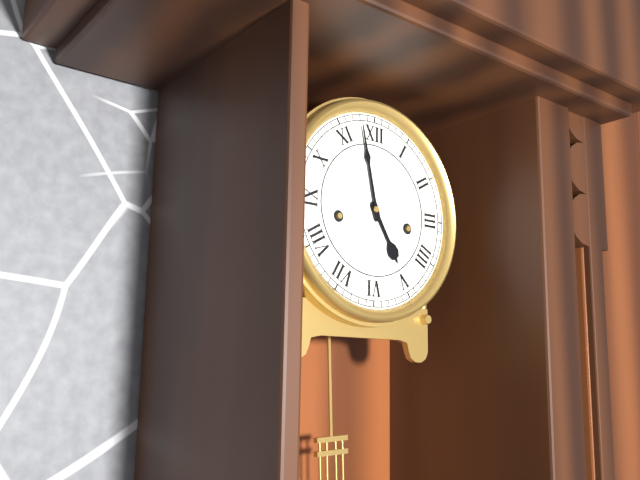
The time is h=4 m=58
